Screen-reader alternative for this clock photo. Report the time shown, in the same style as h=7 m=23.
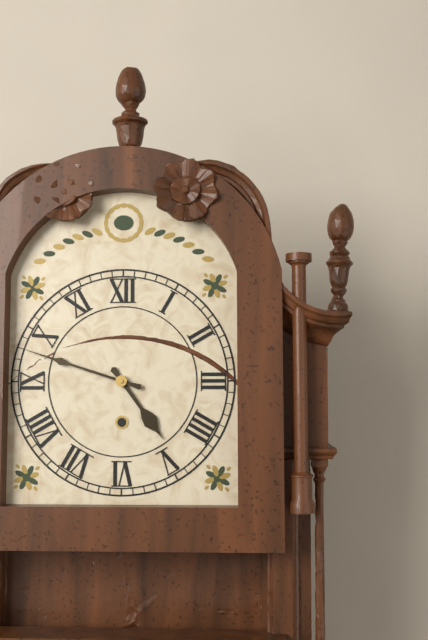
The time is h=4 m=48
